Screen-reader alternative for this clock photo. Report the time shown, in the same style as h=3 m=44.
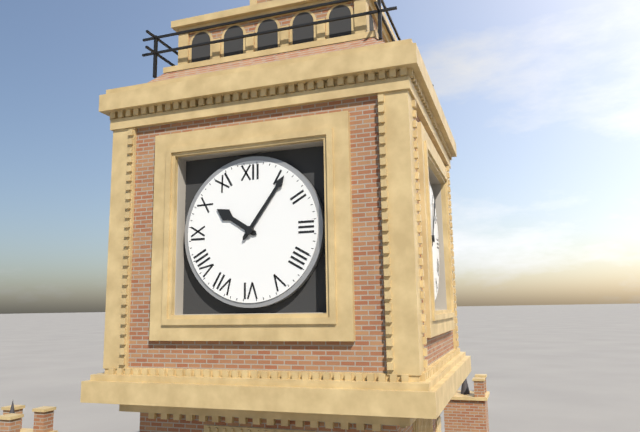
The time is h=10 m=6
